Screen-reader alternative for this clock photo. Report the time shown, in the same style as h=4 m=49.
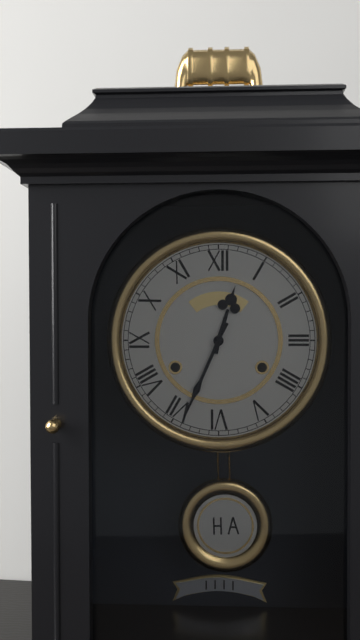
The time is h=12 m=34
